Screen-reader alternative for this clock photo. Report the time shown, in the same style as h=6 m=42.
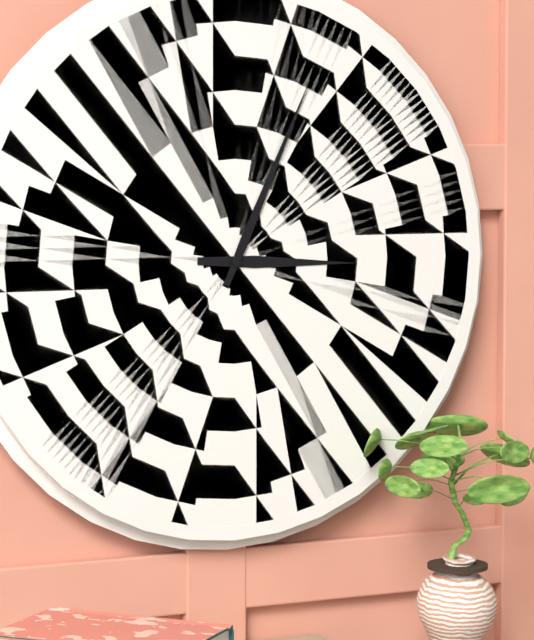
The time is h=3 m=4
